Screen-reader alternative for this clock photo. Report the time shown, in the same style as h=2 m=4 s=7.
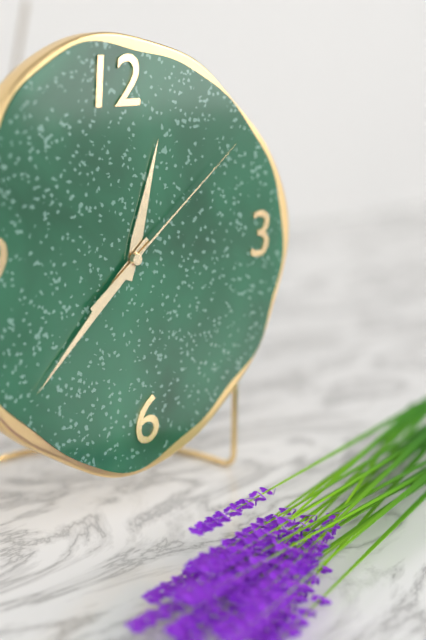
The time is h=12 m=38 s=9
